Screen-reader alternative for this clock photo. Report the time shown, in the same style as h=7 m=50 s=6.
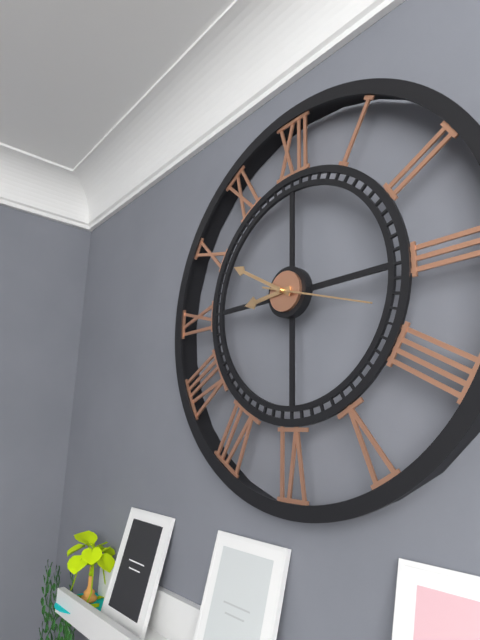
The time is h=8 m=50 s=18
